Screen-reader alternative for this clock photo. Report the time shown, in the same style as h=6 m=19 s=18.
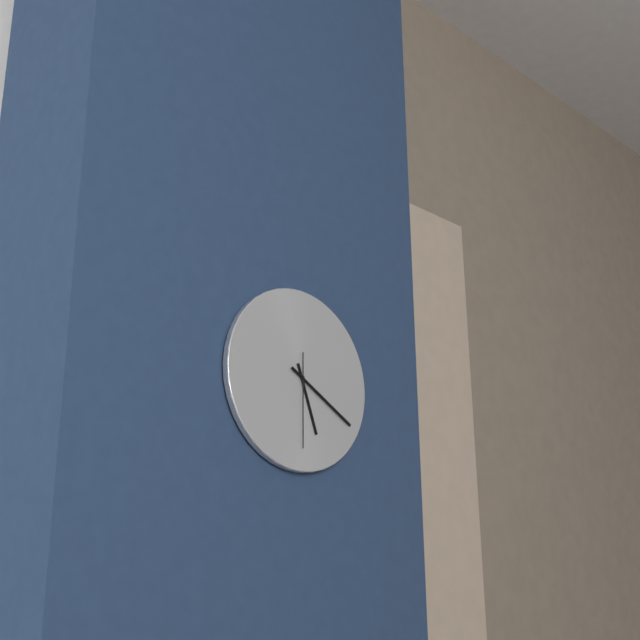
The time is h=5 m=20 s=30
